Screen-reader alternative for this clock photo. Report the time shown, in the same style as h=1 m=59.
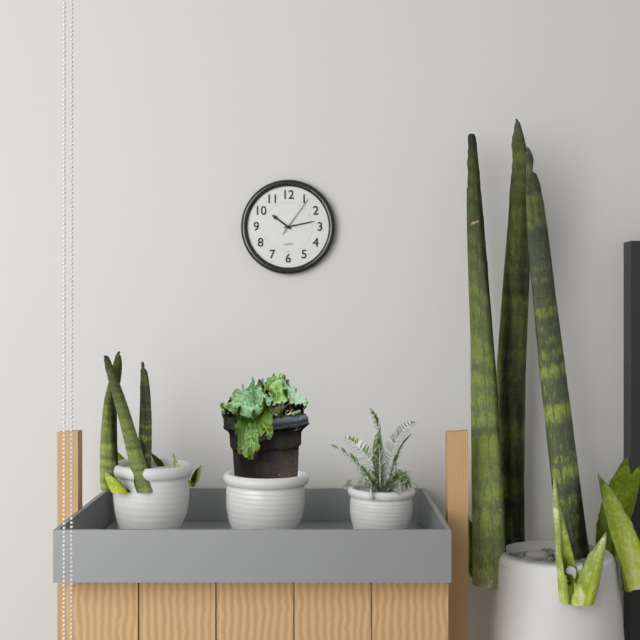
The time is h=10 m=13
